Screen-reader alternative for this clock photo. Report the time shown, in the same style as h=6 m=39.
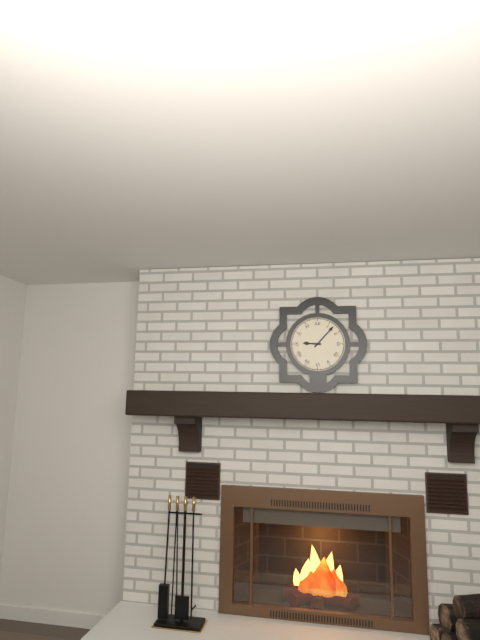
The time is h=9 m=7
